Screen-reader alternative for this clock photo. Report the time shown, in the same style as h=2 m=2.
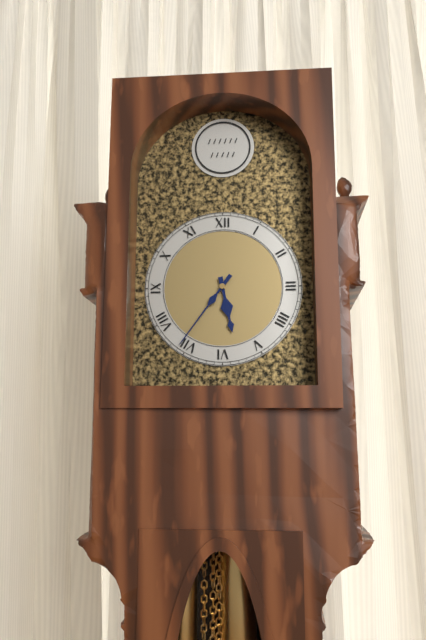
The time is h=5 m=36
